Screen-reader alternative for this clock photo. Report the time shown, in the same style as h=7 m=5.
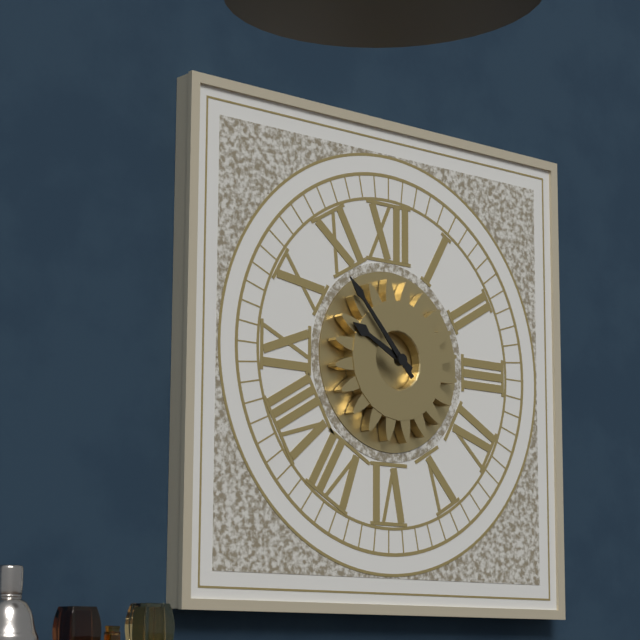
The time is h=9 m=53
